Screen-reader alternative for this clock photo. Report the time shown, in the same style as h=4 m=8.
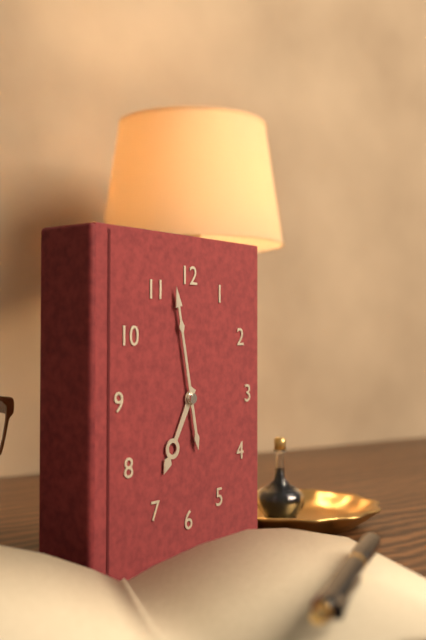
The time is h=6 m=58
